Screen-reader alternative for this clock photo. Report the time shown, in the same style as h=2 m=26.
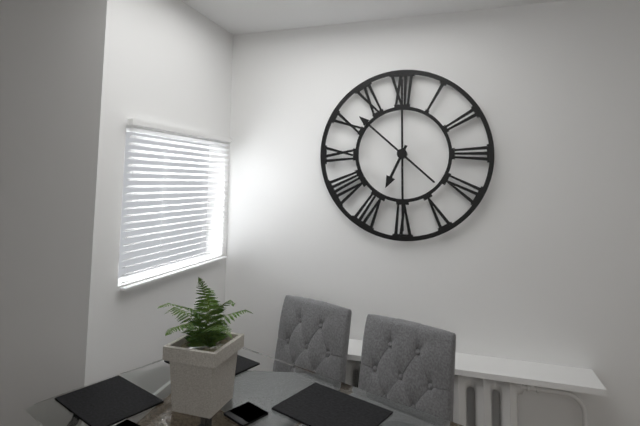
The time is h=6 m=52
